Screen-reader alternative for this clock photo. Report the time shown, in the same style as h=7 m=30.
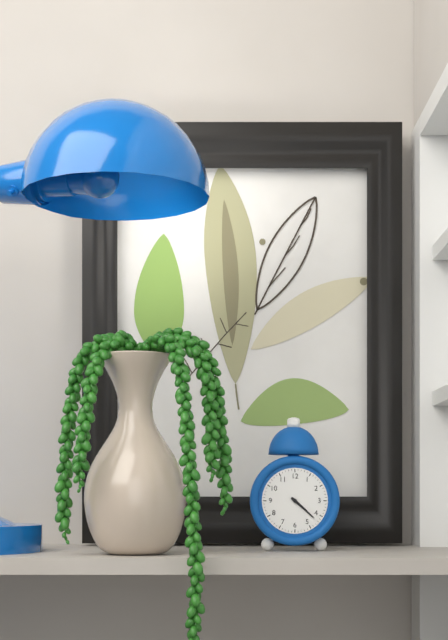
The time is h=4 m=22
